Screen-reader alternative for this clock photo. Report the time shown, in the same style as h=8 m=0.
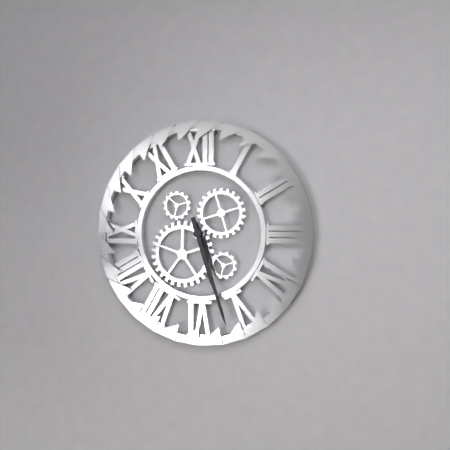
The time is h=5 m=27
